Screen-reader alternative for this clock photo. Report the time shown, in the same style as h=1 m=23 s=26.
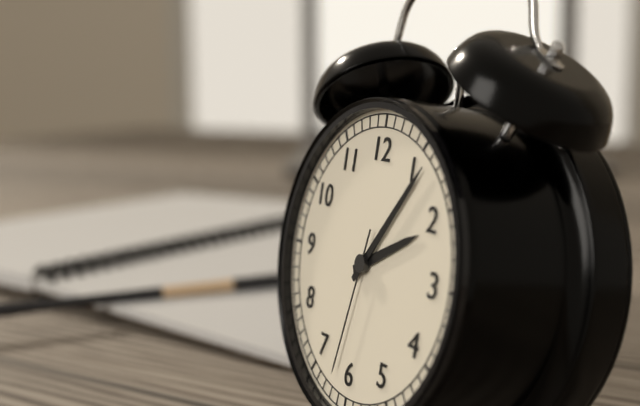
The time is h=2 m=6 s=32
